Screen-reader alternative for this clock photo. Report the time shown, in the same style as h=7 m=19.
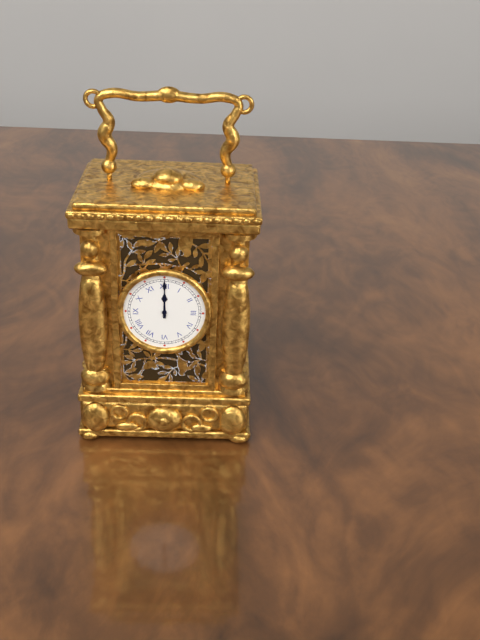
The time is h=12 m=0
